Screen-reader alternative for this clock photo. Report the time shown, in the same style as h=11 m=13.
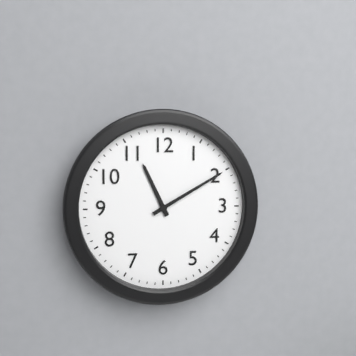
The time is h=11 m=10
